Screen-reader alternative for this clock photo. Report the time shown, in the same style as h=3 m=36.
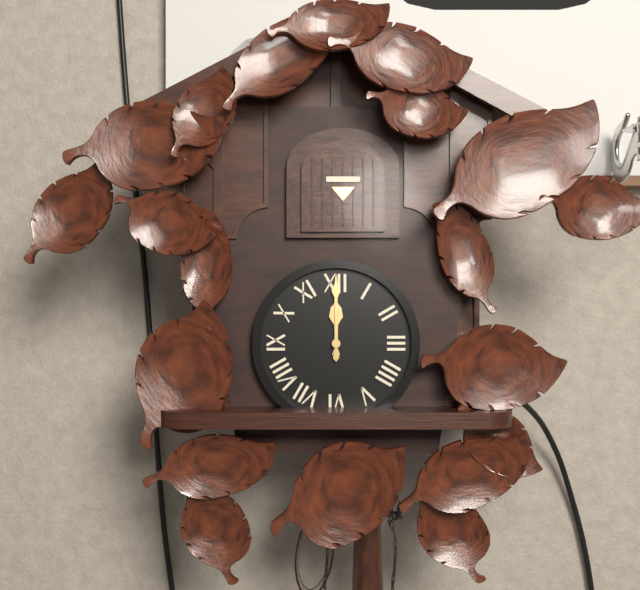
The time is h=12 m=0
